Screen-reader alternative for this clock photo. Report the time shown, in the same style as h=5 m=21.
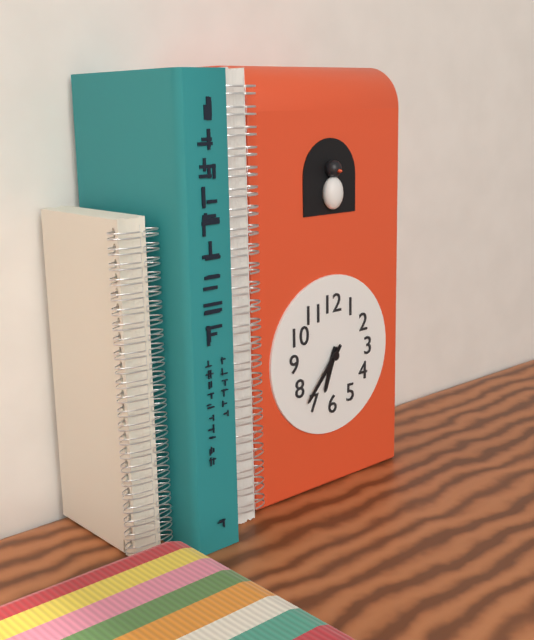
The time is h=6 m=37
